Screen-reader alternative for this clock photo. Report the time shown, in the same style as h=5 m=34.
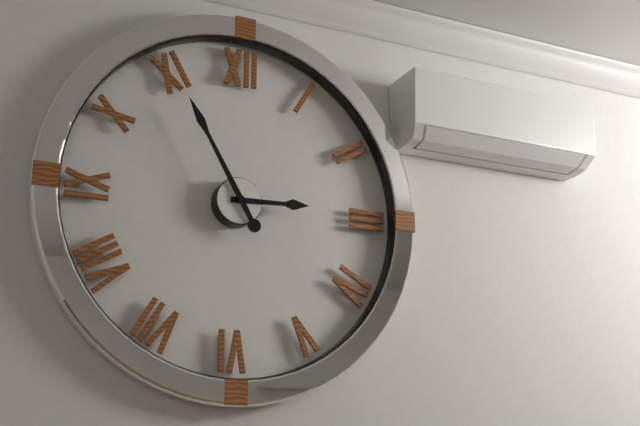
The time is h=2 m=55
